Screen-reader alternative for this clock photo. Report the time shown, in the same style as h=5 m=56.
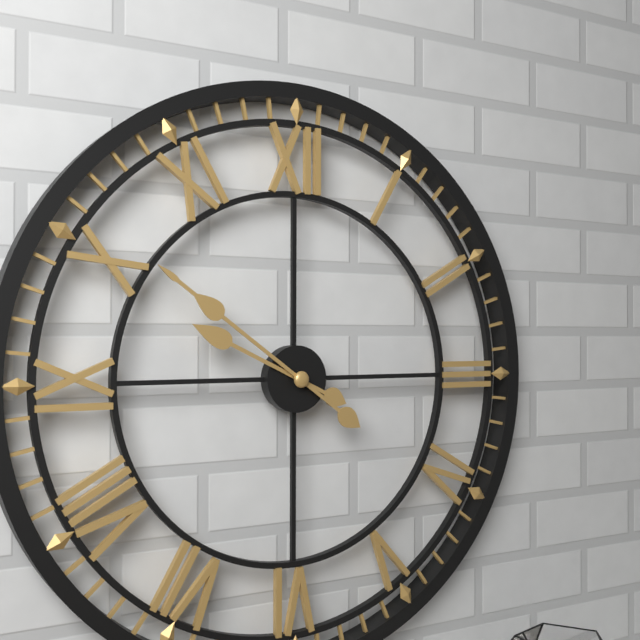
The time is h=9 m=51
